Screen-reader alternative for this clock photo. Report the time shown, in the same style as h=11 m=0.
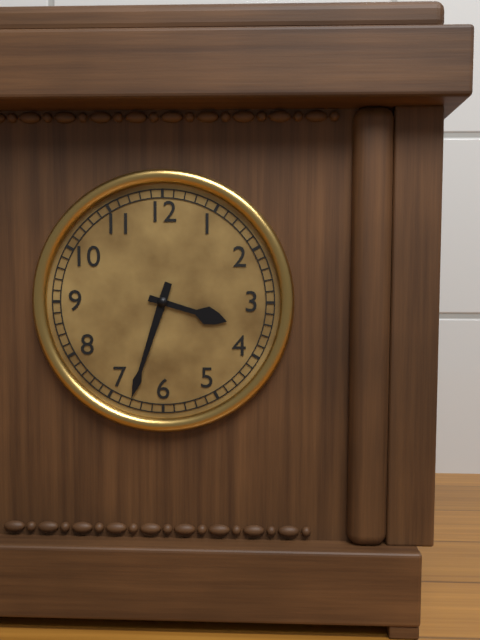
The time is h=3 m=33
